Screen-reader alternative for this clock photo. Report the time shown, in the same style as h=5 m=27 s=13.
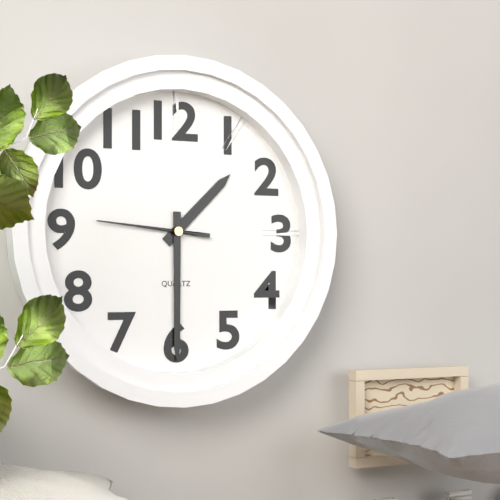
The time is h=1 m=30 s=46
